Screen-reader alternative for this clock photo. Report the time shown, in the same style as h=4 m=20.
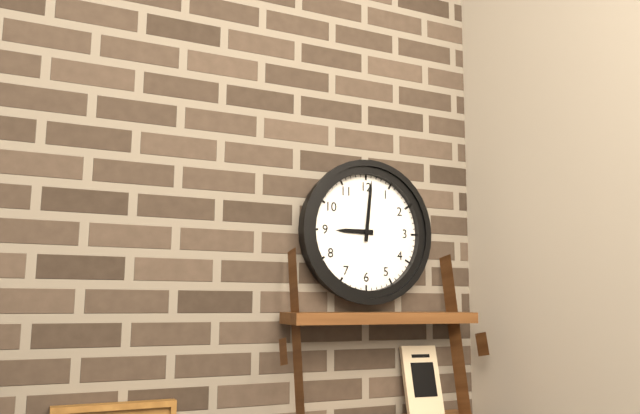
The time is h=9 m=1
